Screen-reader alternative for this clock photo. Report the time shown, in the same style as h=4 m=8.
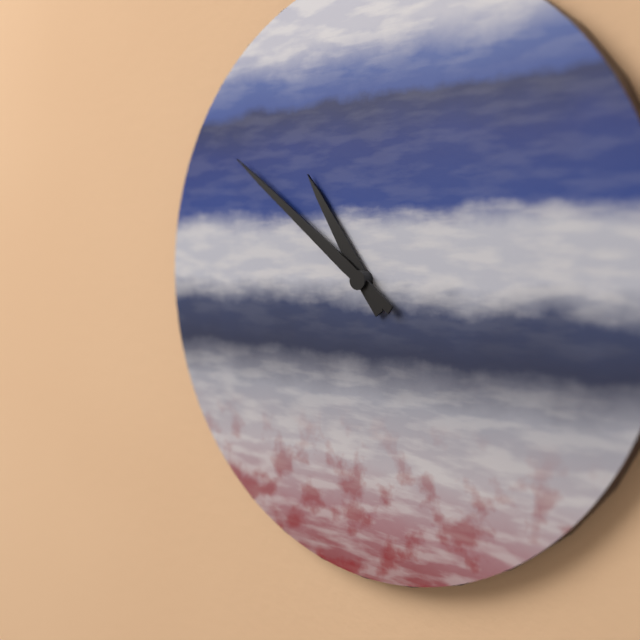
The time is h=10 m=51
